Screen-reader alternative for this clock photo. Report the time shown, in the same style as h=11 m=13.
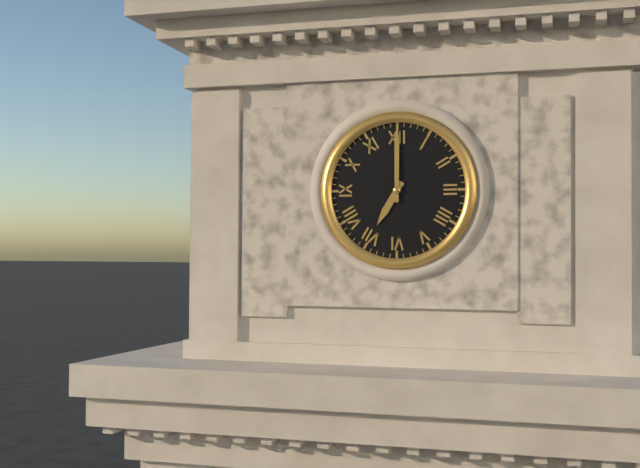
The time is h=7 m=0
